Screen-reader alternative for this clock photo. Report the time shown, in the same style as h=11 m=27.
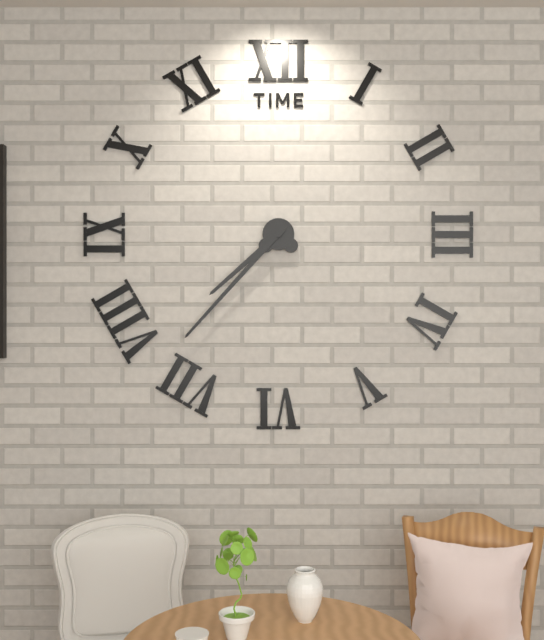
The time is h=7 m=37
